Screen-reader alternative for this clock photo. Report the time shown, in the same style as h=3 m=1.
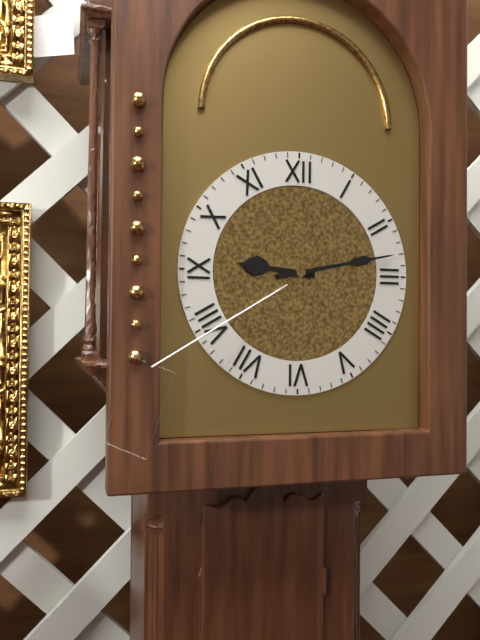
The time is h=9 m=13
